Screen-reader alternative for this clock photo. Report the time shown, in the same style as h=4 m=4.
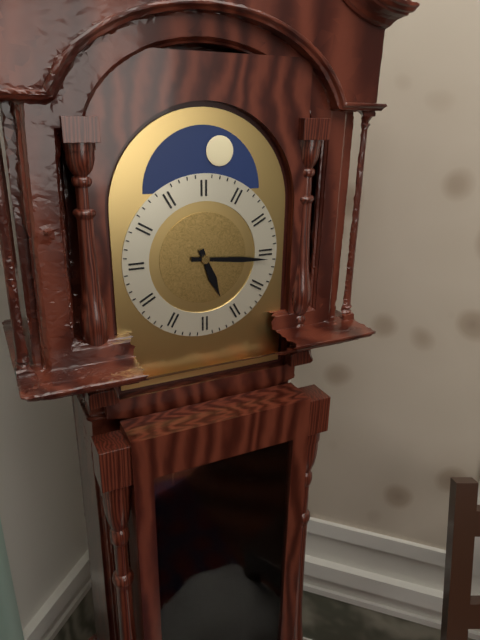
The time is h=5 m=16
